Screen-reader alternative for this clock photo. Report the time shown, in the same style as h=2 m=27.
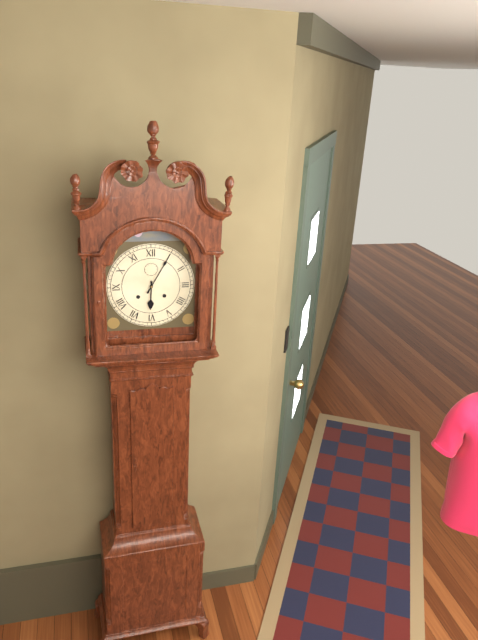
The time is h=6 m=5
